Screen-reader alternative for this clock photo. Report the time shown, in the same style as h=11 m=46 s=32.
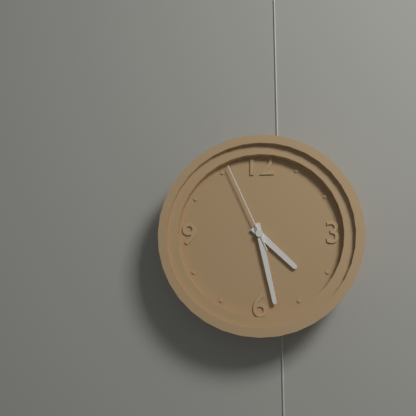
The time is h=4 m=28 s=56
